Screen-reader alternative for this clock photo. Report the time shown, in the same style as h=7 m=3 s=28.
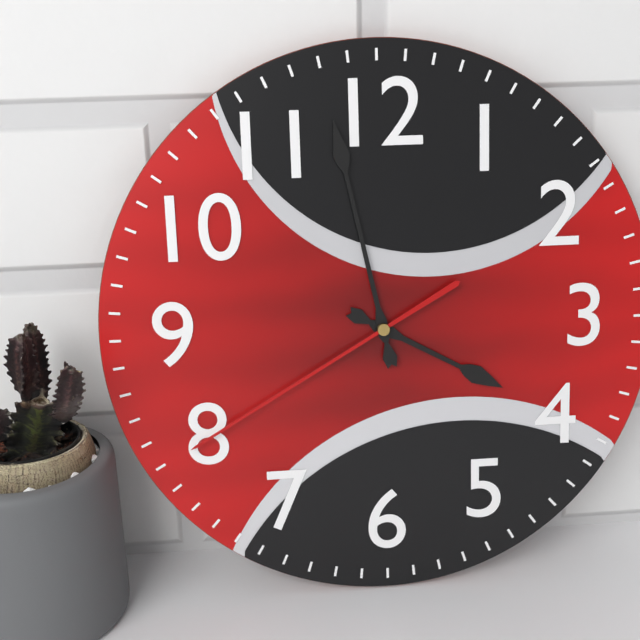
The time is h=3 m=58 s=40
